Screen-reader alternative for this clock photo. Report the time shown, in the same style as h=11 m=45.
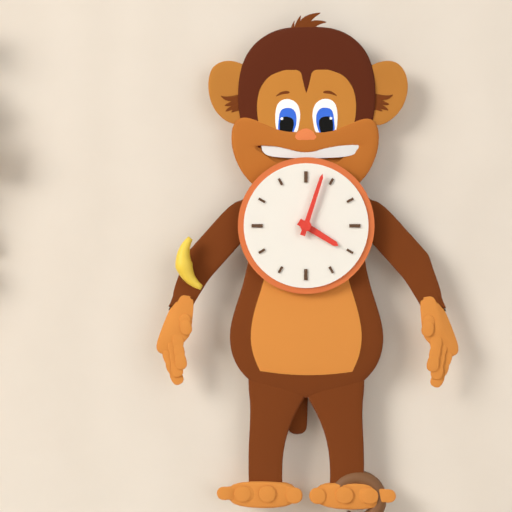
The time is h=4 m=3
